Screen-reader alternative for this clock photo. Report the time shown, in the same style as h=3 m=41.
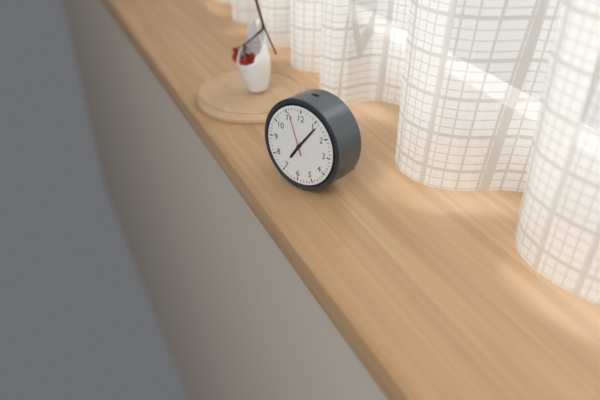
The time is h=7 m=6
